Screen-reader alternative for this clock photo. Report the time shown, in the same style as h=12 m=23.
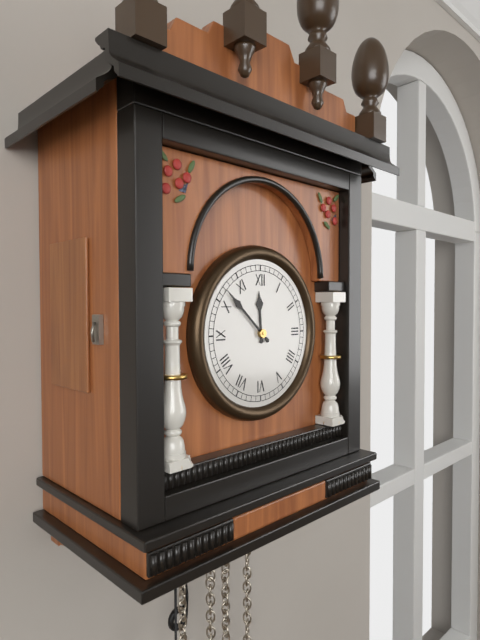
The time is h=11 m=52
